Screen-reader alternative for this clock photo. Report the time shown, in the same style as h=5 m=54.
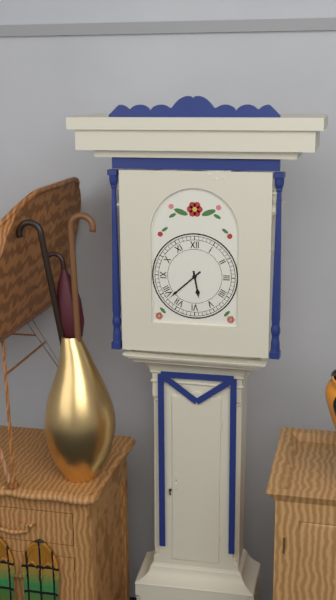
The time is h=5 m=38
